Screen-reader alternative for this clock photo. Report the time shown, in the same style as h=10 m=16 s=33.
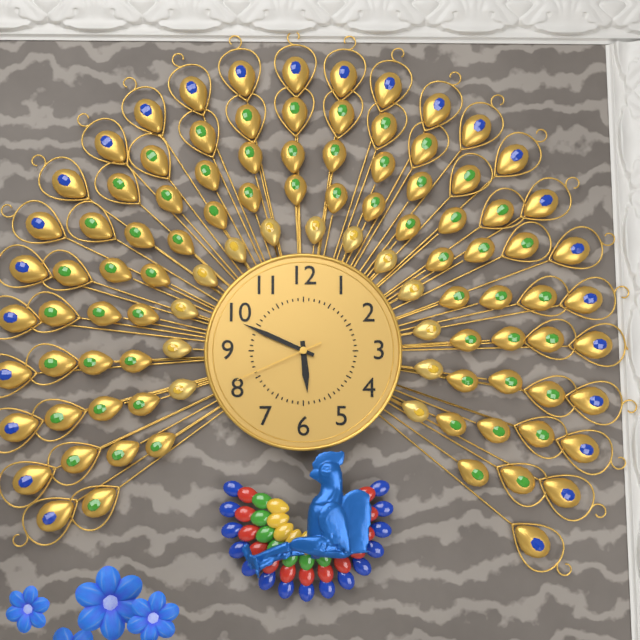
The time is h=5 m=49 s=41
